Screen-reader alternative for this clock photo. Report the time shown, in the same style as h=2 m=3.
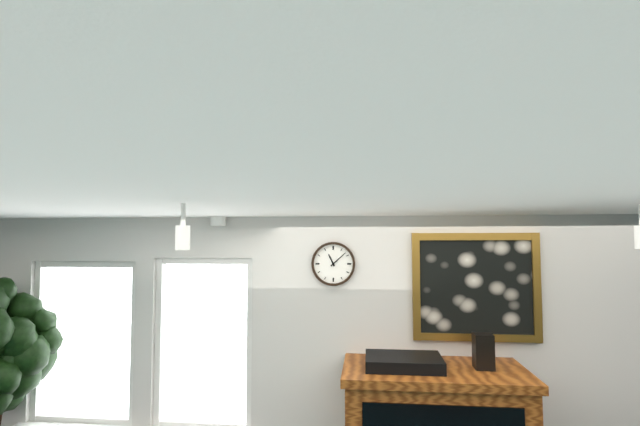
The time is h=11 m=8
